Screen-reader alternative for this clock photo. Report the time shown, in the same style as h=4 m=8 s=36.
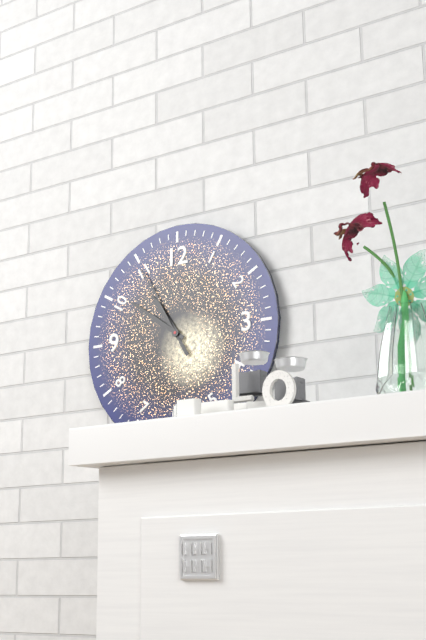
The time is h=10 m=51 s=55
